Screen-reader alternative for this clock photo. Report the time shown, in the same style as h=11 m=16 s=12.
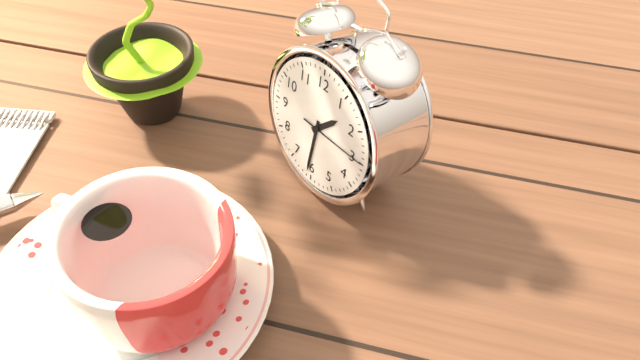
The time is h=1 m=31 s=15
